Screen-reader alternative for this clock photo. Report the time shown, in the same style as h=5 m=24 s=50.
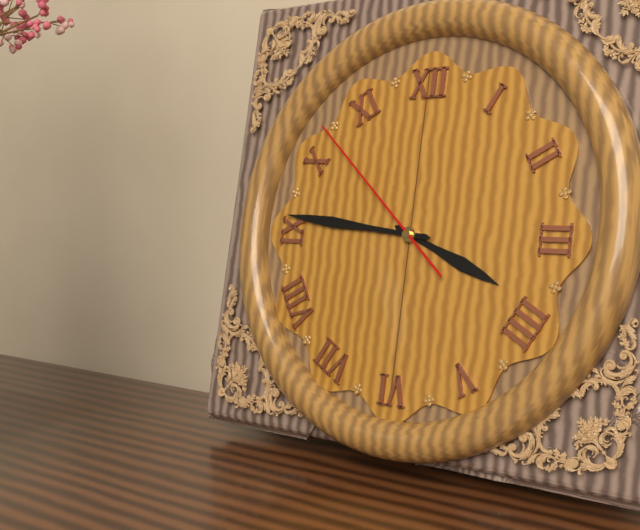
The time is h=3 m=46 s=52
